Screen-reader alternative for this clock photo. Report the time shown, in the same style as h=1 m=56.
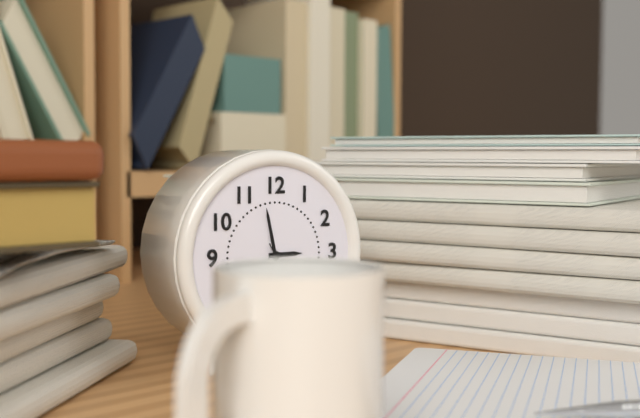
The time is h=2 m=58
